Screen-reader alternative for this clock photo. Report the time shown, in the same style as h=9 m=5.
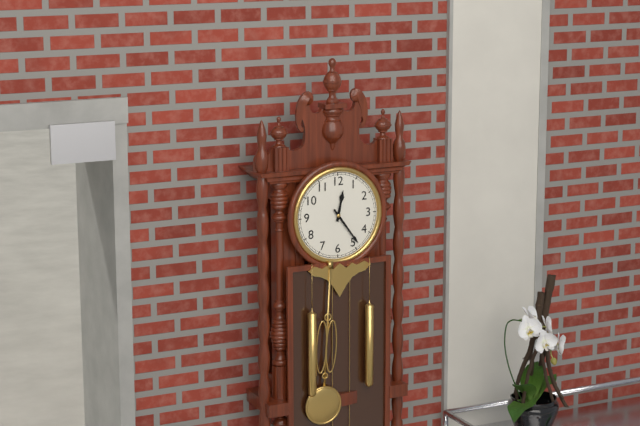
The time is h=12 m=24
